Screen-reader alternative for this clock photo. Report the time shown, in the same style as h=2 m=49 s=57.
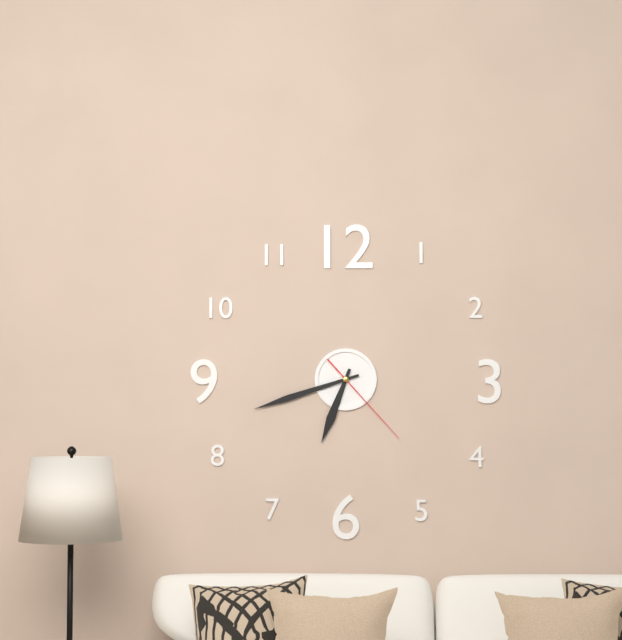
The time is h=6 m=42 s=23
